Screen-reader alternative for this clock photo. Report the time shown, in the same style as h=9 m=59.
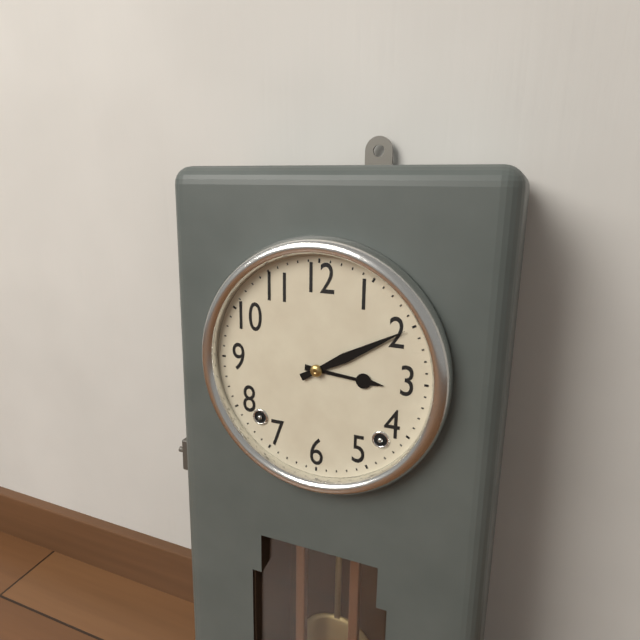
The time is h=3 m=10
